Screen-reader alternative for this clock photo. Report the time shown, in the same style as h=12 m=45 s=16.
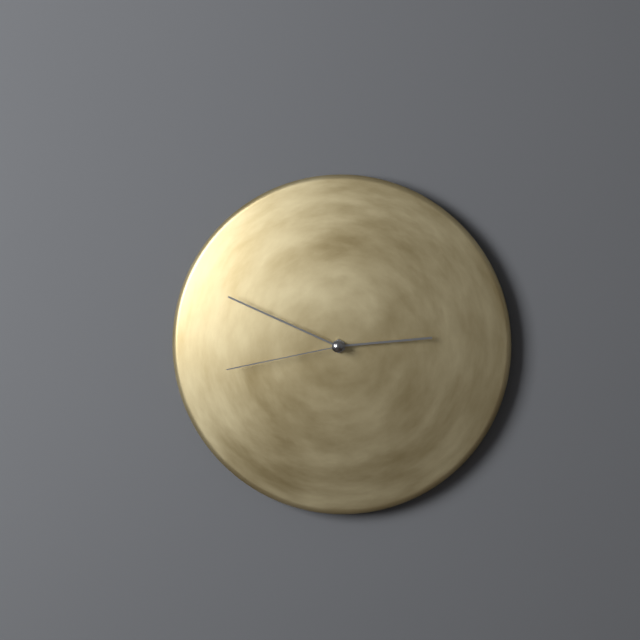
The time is h=2 m=49 s=43
